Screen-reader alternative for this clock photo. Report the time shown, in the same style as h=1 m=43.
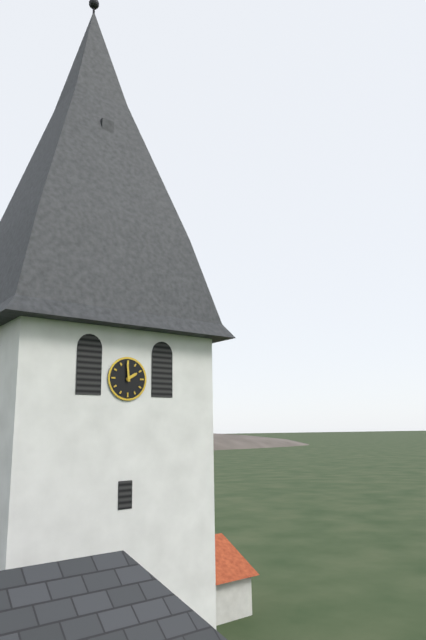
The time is h=1 m=59
